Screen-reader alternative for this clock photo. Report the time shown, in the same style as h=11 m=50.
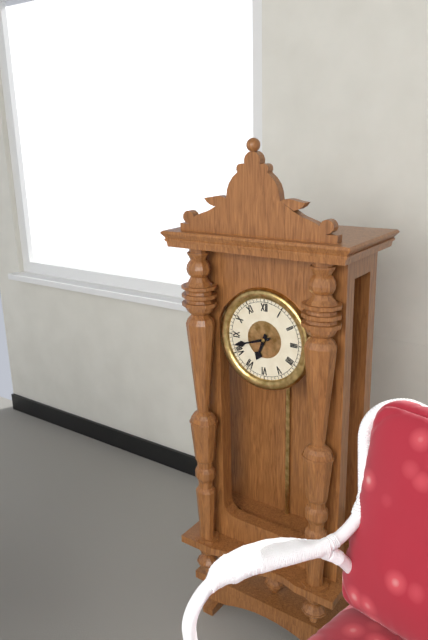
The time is h=6 m=42
